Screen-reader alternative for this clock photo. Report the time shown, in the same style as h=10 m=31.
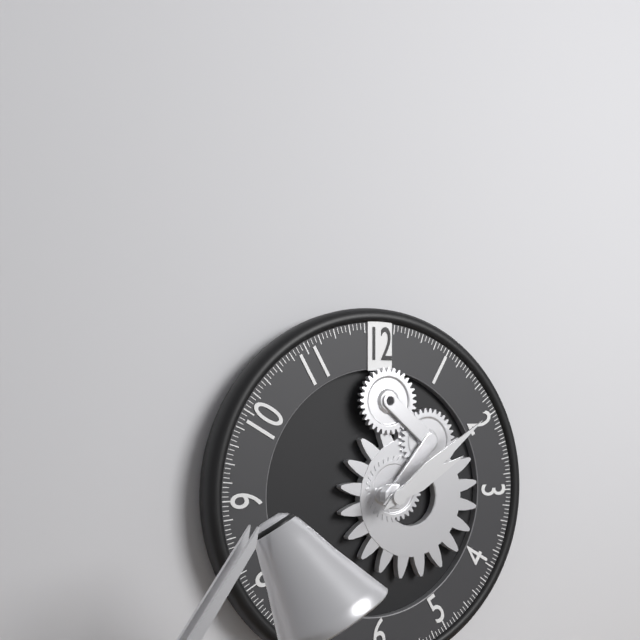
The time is h=2 m=9
